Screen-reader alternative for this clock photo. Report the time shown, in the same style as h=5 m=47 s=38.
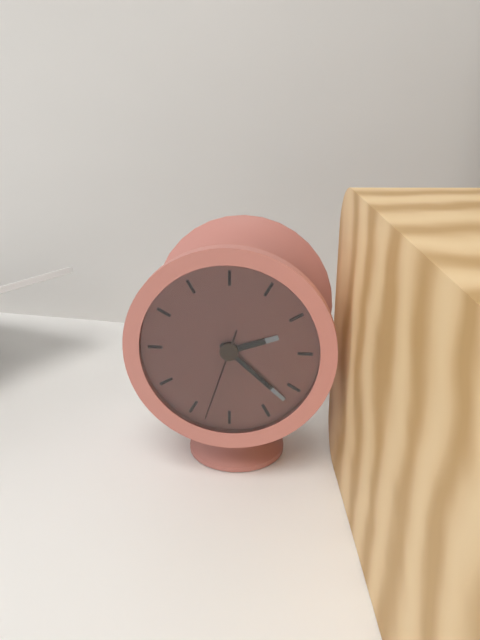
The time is h=2 m=22 s=33
